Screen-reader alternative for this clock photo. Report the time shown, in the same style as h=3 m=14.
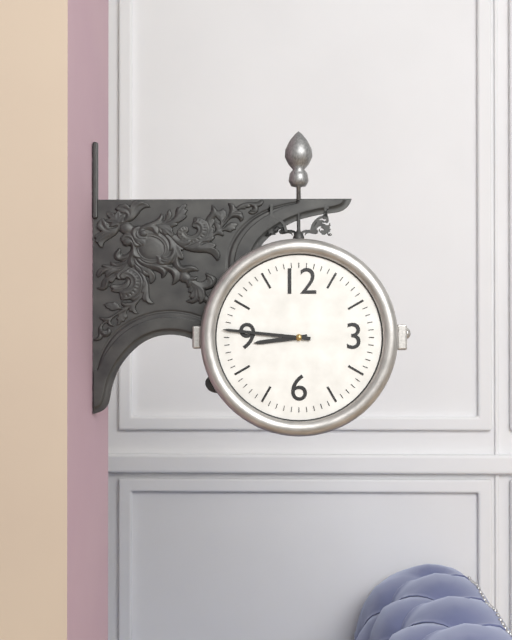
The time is h=8 m=46
